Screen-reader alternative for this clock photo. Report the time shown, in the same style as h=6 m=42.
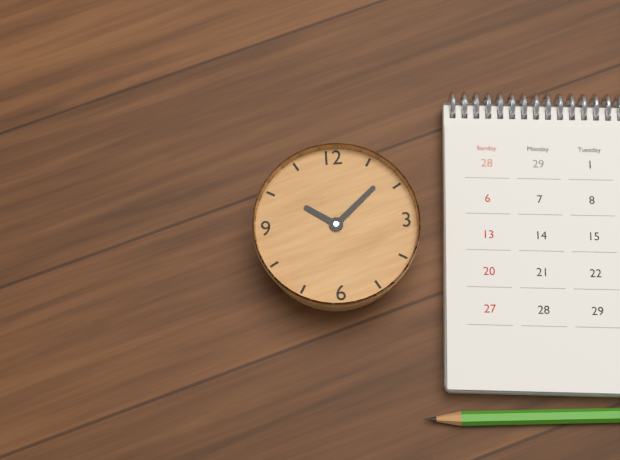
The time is h=10 m=8
